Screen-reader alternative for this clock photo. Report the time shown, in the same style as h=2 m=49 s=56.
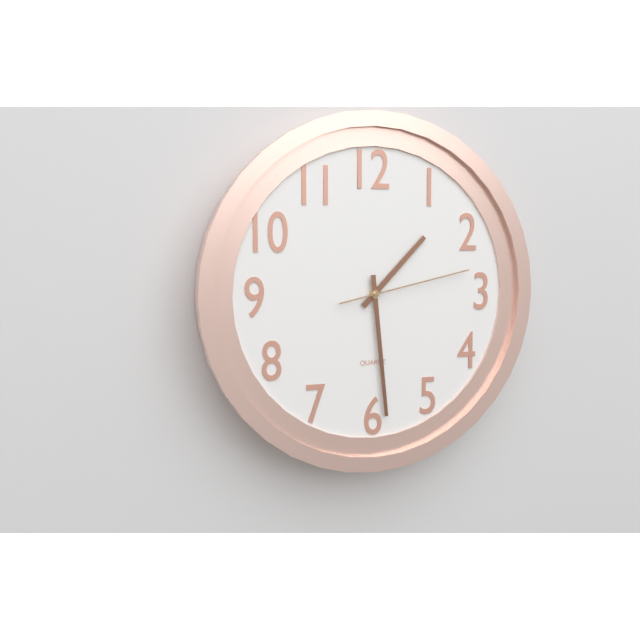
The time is h=1 m=29 s=13
